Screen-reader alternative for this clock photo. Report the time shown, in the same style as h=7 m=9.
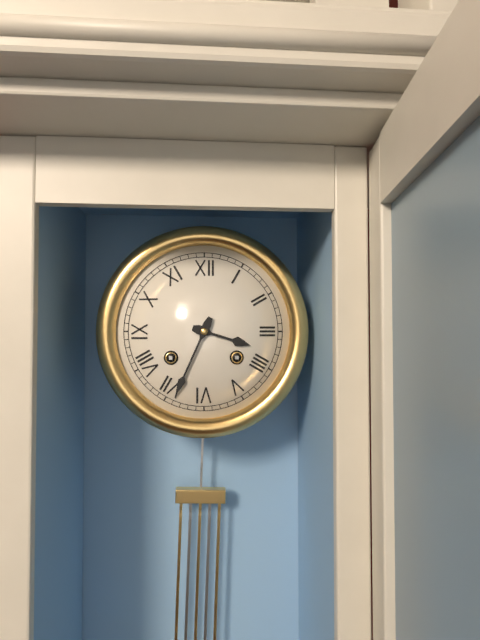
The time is h=3 m=34
